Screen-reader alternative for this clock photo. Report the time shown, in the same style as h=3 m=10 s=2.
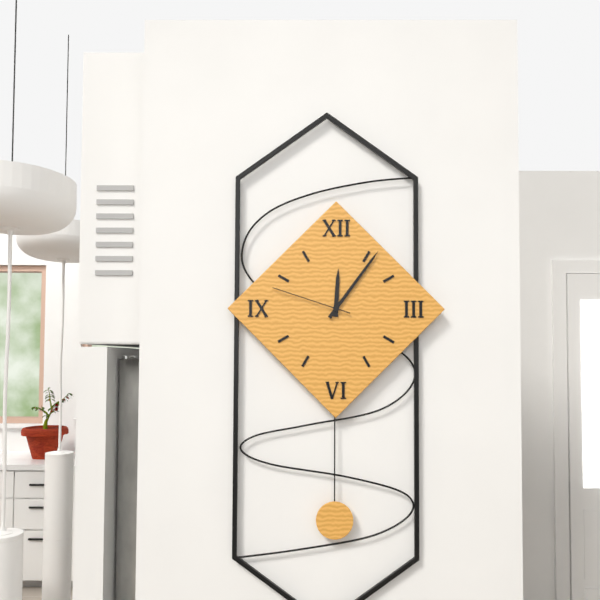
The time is h=12 m=6 s=48
